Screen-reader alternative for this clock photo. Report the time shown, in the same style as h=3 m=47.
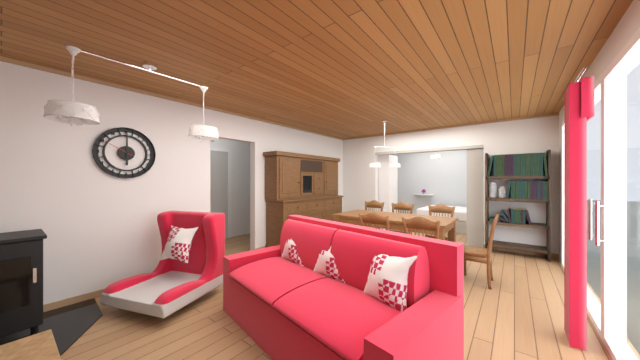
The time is h=6 m=0
